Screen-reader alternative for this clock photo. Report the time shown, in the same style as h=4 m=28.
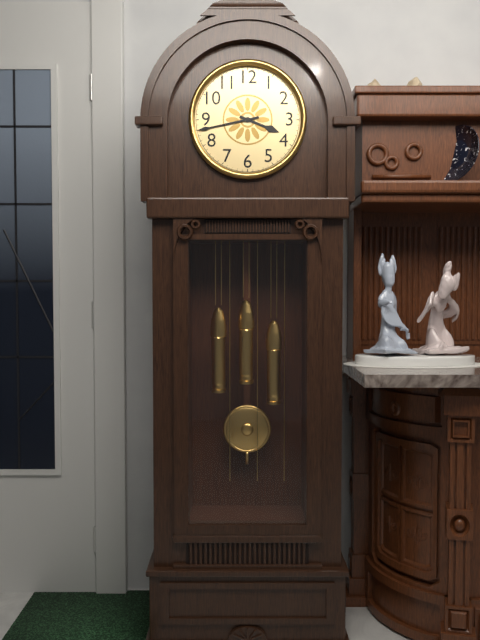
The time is h=3 m=43
